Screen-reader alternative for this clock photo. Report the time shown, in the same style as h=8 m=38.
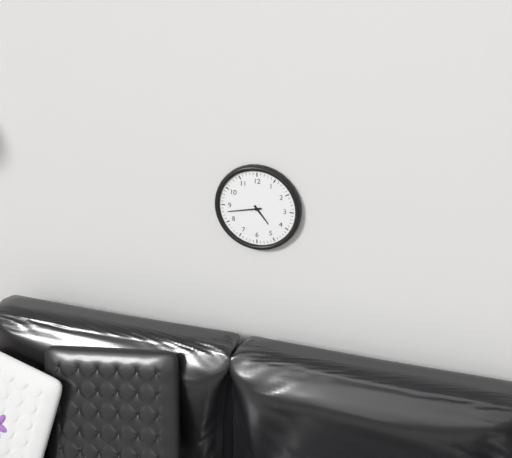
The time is h=4 m=43
